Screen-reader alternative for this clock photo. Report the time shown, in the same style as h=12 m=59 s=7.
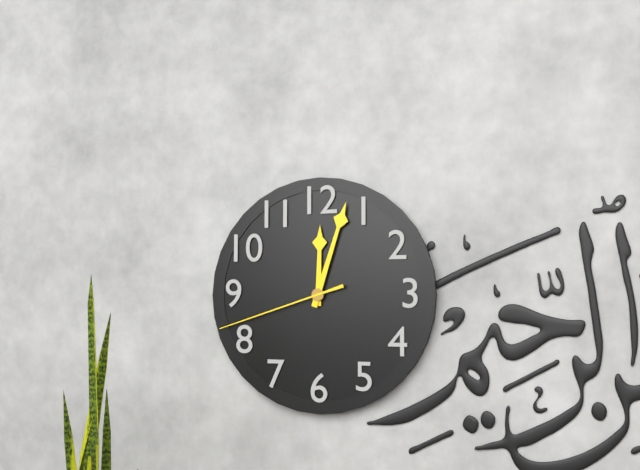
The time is h=12 m=3 s=42
